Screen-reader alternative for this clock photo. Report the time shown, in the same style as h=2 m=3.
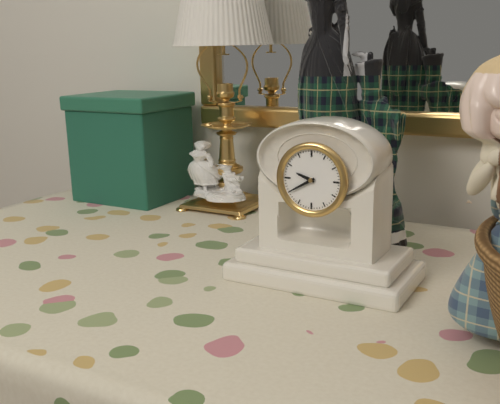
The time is h=9 m=40
